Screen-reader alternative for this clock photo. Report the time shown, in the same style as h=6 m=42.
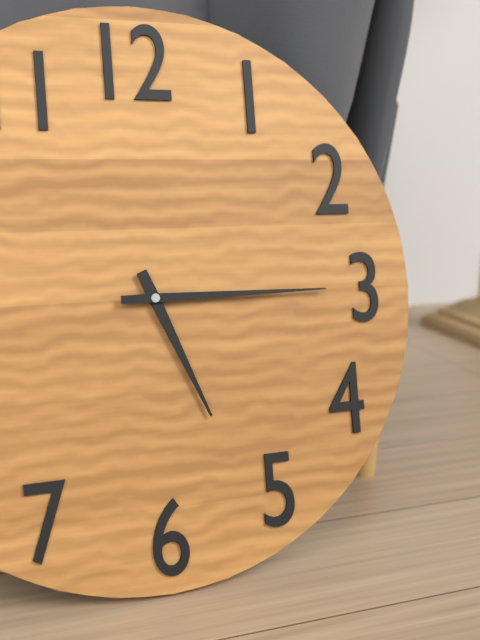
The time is h=5 m=15
